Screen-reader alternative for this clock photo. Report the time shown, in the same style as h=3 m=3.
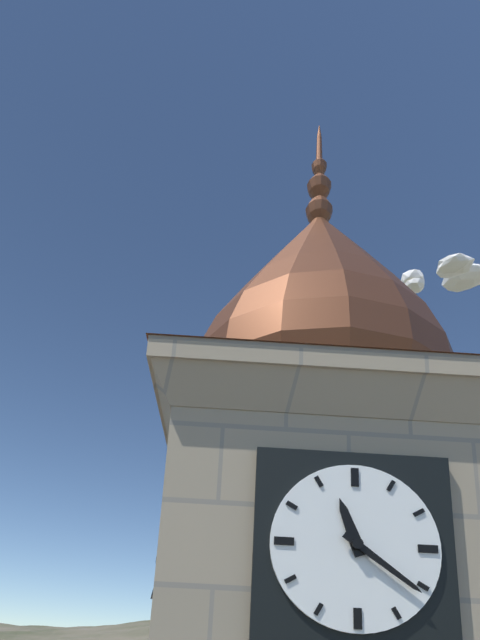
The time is h=11 m=21
